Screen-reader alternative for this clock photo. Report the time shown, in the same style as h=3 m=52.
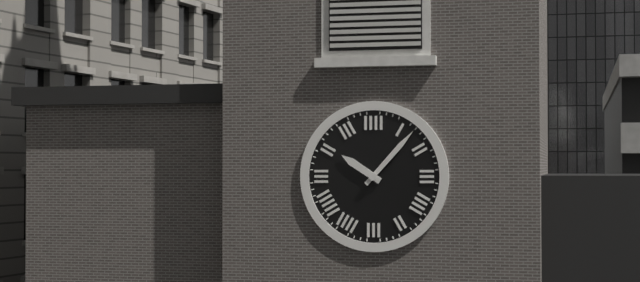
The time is h=10 m=7
